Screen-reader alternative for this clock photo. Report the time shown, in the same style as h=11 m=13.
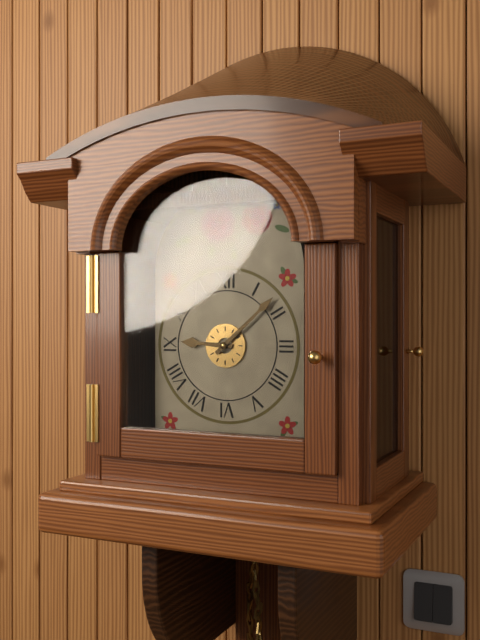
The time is h=9 m=8
